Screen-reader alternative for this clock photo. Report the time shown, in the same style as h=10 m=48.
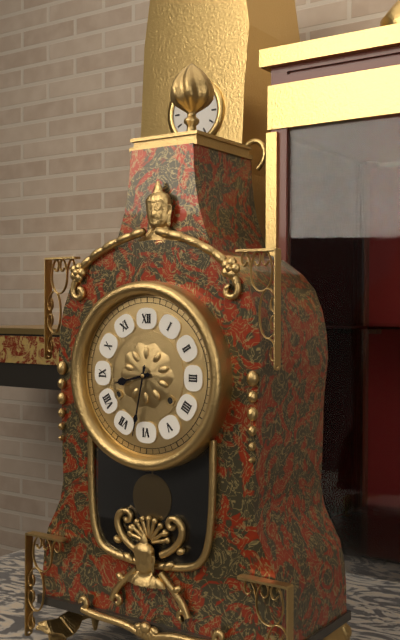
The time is h=8 m=32
